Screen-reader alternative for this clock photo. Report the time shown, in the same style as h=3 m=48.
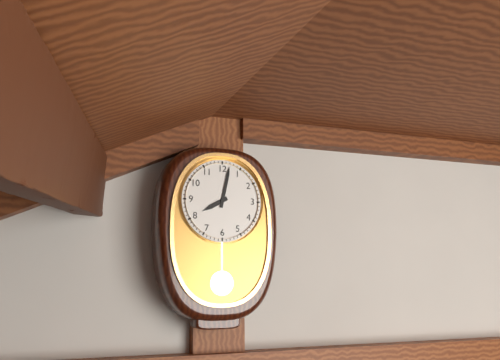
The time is h=8 m=2
